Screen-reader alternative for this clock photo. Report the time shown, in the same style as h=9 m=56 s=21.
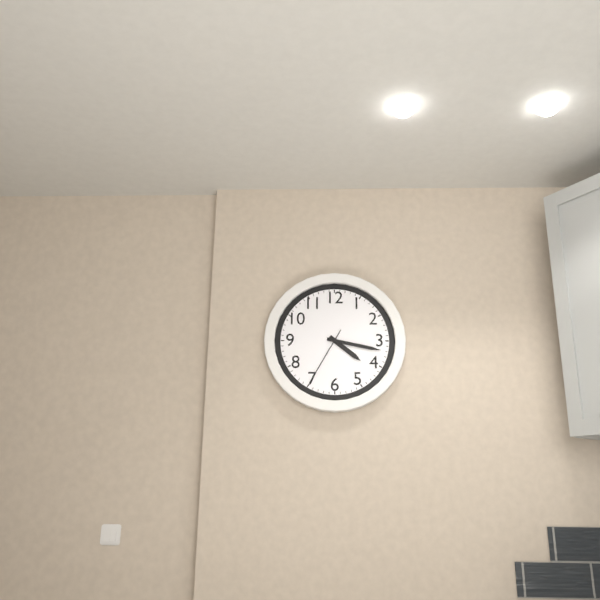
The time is h=4 m=17 s=35
